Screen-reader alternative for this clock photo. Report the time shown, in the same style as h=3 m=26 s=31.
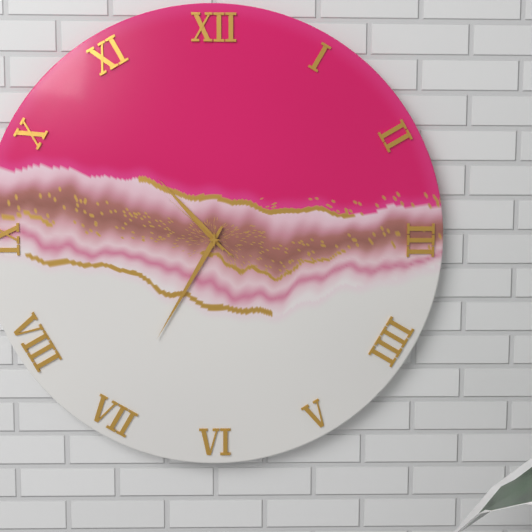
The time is h=10 m=35 s=52
